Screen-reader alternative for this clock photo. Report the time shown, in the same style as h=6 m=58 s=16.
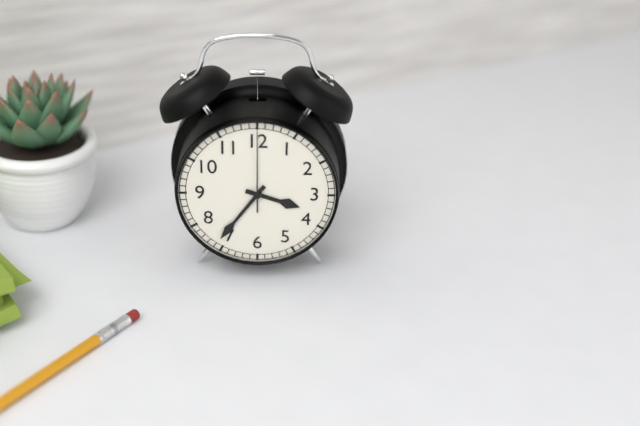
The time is h=3 m=36 s=0
